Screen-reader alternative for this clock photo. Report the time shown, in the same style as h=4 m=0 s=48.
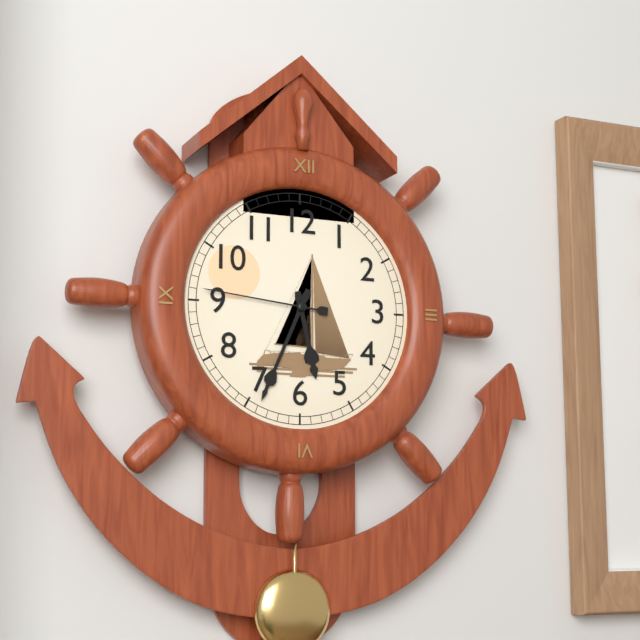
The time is h=5 m=34 s=46
